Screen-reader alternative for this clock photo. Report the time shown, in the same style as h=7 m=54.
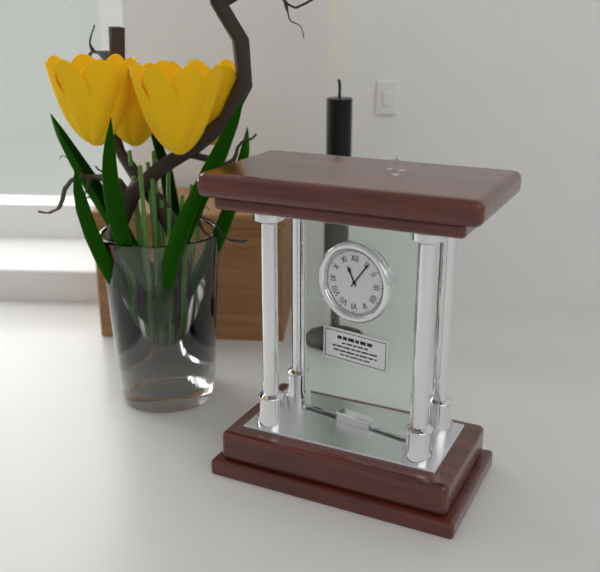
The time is h=11 m=6
